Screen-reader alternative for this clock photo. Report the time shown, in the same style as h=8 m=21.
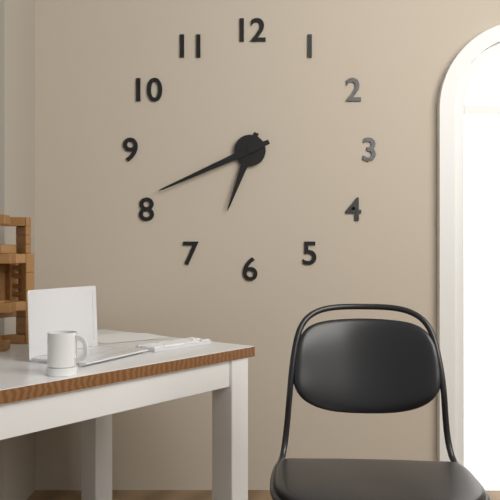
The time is h=6 m=41
